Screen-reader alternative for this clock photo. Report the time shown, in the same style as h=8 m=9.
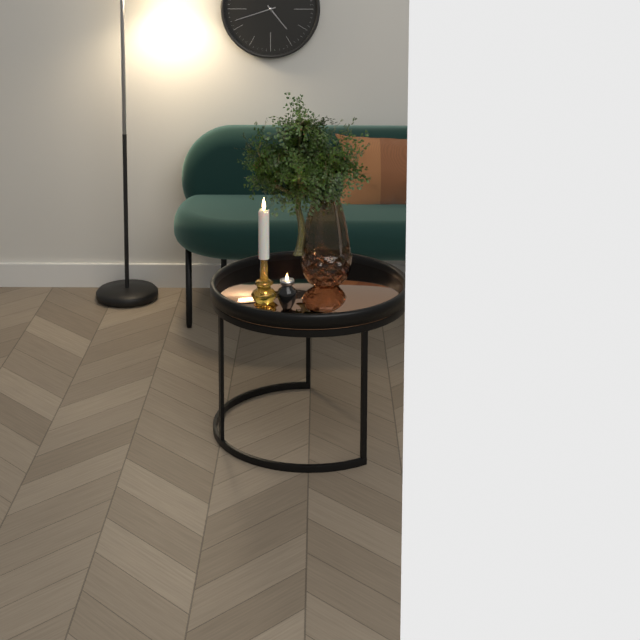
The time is h=4 m=42
